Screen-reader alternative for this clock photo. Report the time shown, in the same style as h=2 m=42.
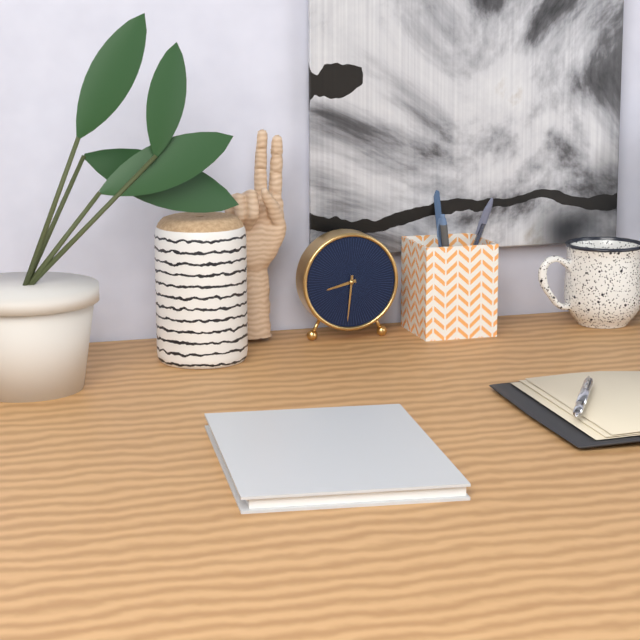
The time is h=8 m=31
